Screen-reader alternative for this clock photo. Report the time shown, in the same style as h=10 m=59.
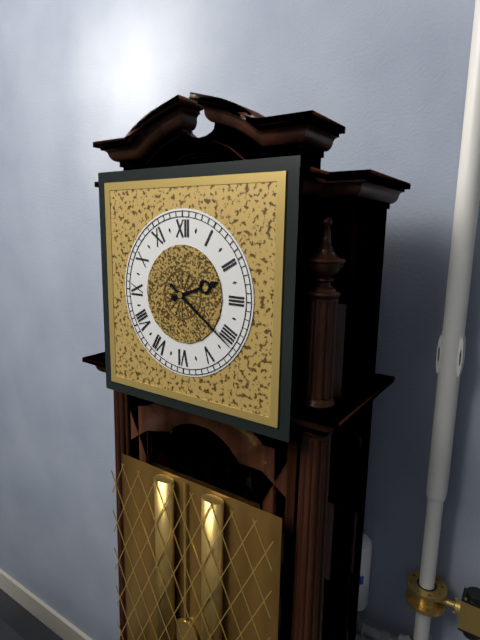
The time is h=2 m=21
